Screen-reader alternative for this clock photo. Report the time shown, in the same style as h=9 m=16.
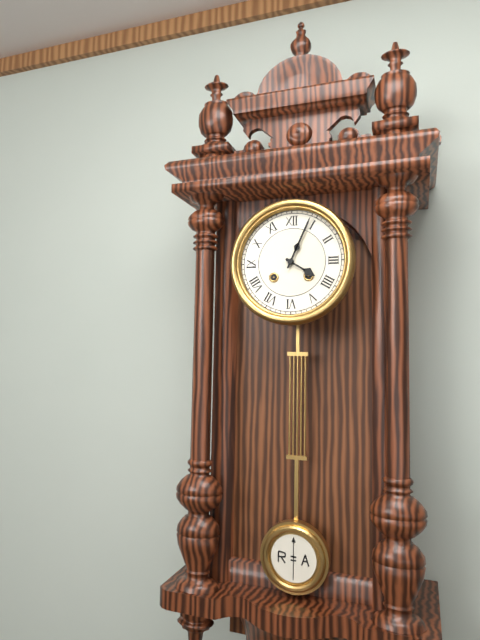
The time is h=4 m=4
